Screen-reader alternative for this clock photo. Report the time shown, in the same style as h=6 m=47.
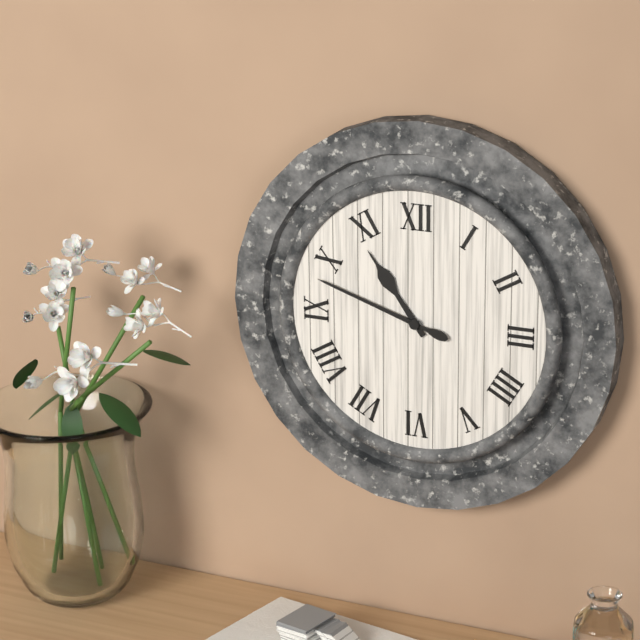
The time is h=10 m=48
